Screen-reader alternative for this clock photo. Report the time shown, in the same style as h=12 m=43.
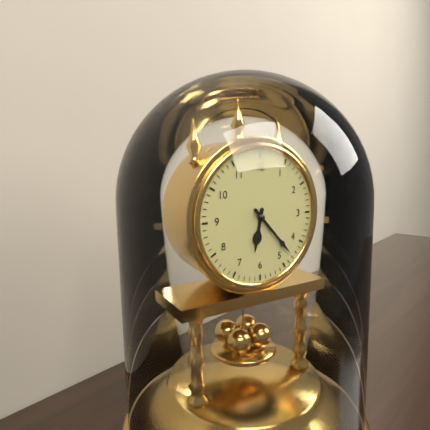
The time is h=6 m=23
